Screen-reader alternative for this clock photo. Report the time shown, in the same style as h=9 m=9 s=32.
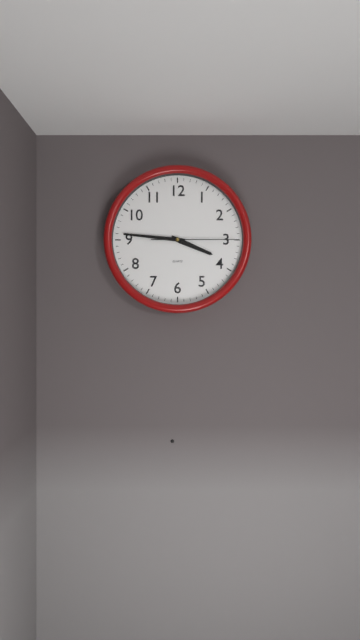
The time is h=3 m=46 s=15
